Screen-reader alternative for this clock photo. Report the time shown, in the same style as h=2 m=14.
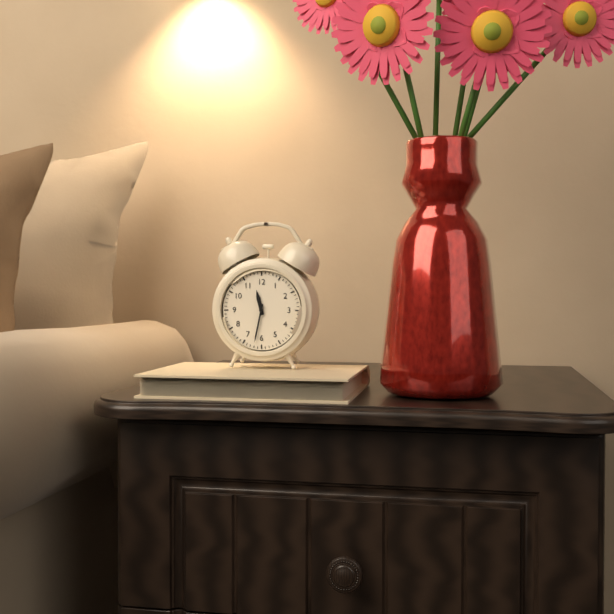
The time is h=11 m=32
